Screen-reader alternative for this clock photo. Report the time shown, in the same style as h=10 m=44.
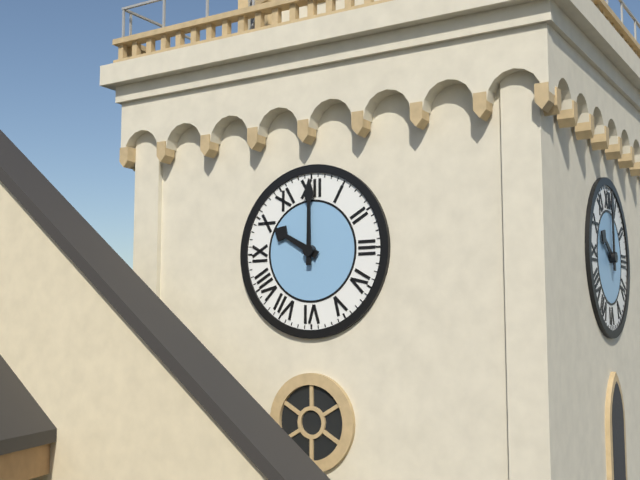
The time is h=10 m=0
